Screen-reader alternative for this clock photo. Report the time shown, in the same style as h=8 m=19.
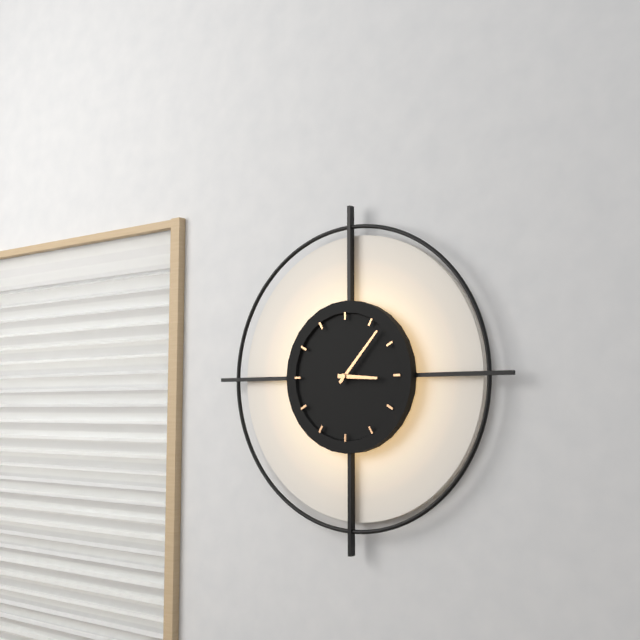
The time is h=3 m=7
